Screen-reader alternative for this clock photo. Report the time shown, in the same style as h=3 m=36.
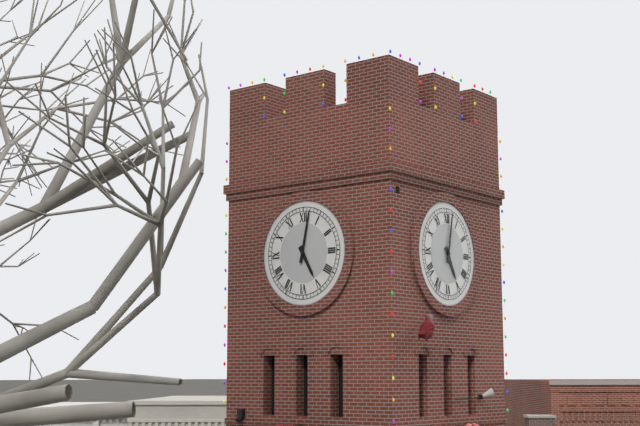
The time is h=5 m=2
